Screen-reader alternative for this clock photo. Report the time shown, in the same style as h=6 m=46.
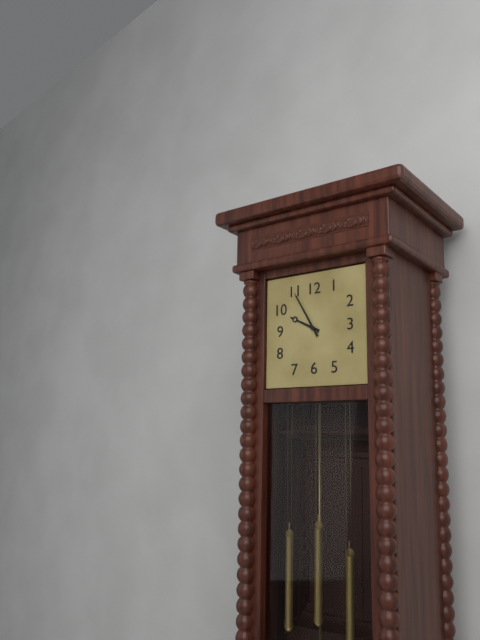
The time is h=9 m=55
